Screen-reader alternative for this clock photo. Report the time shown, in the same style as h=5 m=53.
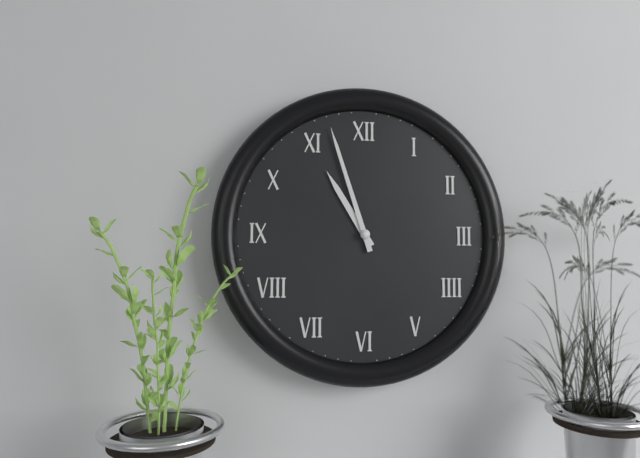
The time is h=10 m=57
